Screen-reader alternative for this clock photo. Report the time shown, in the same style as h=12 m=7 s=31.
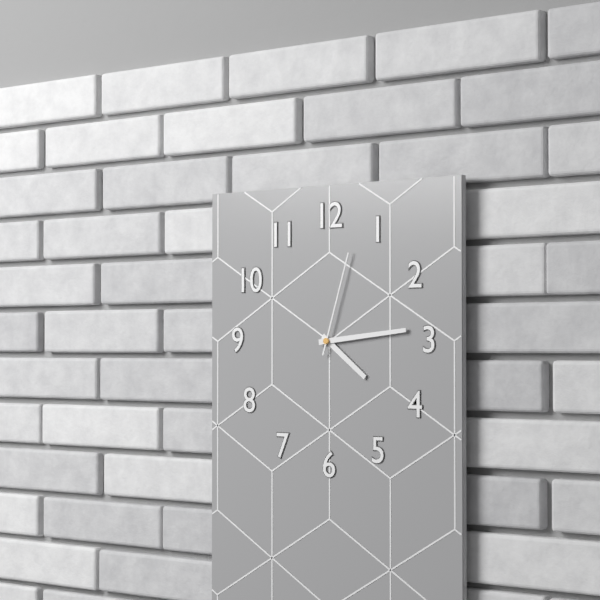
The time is h=4 m=14 s=3
